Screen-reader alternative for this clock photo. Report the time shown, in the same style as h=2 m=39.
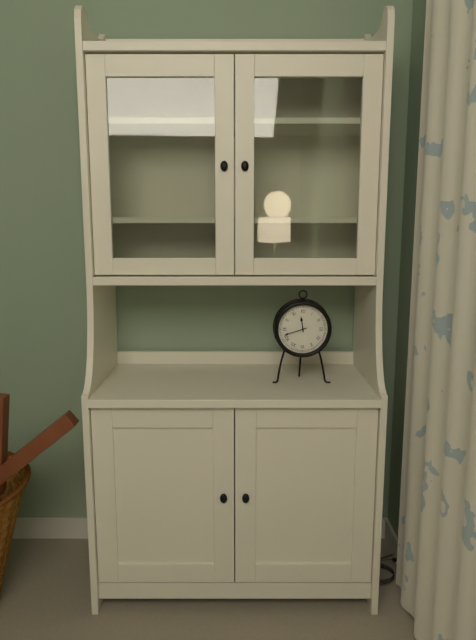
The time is h=11 m=42
